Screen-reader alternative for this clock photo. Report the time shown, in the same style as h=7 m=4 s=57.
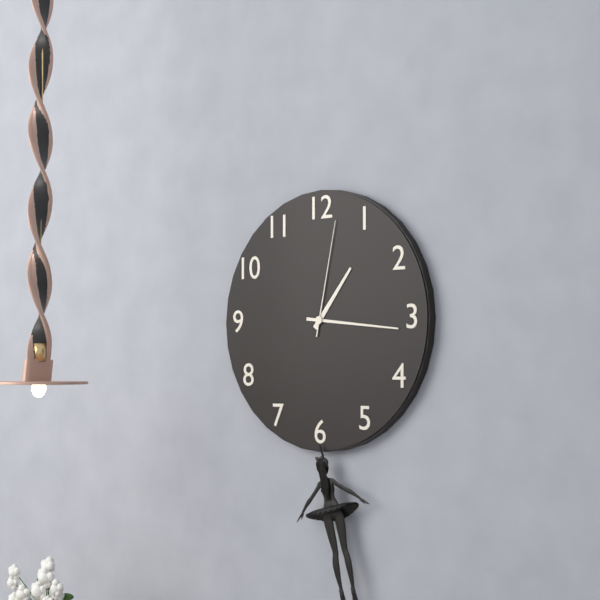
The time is h=1 m=16 s=2
